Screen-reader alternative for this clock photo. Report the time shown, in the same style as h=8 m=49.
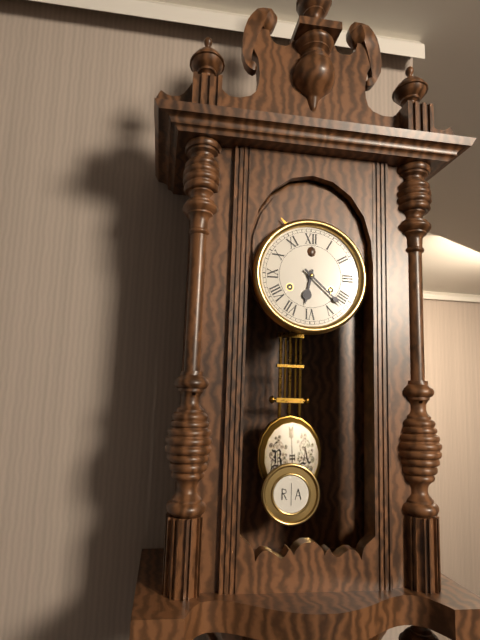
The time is h=6 m=22
